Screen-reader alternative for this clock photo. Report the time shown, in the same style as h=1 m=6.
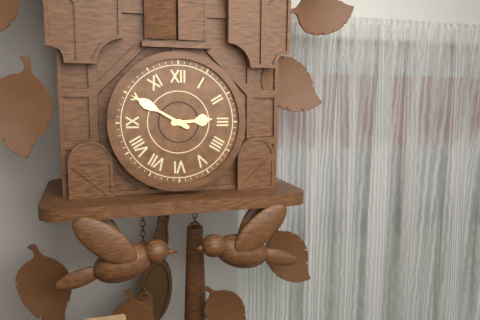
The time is h=2 m=50
